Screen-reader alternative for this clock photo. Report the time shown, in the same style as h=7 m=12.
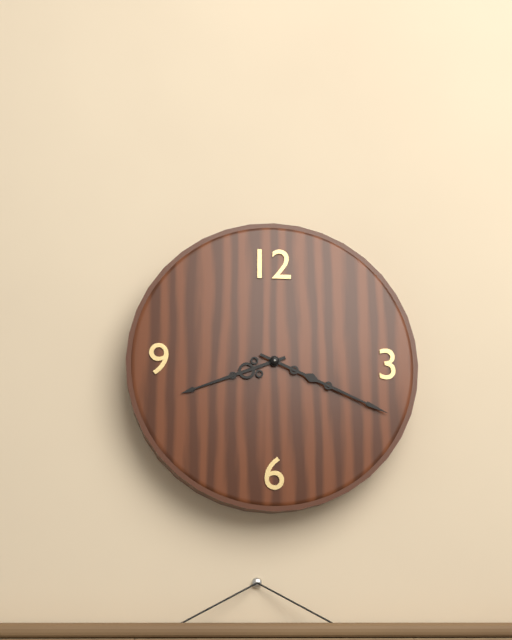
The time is h=8 m=19
